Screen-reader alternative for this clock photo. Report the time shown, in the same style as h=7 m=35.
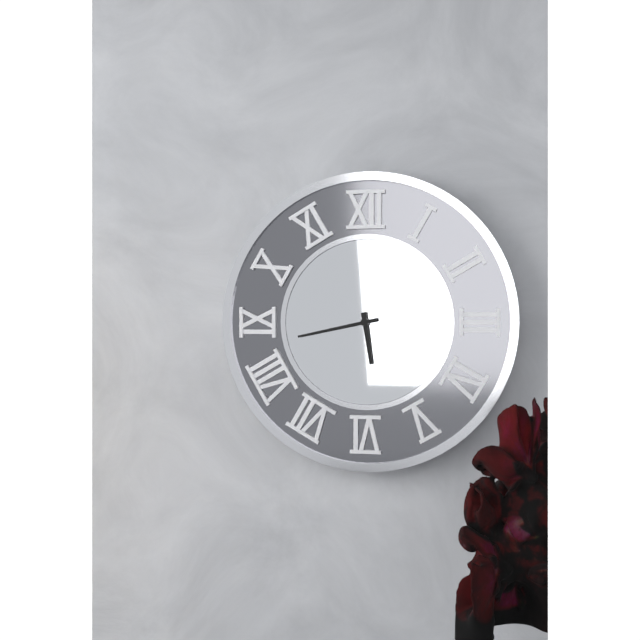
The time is h=5 m=43
